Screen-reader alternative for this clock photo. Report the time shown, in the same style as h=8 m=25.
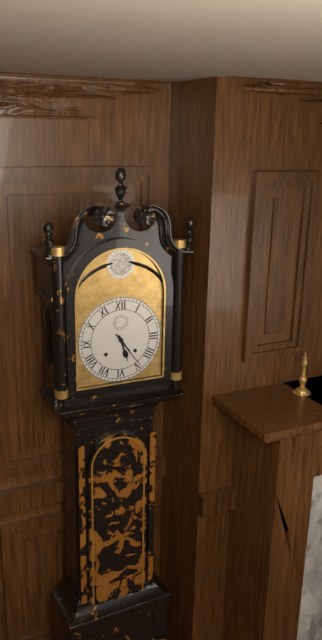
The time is h=5 m=24
